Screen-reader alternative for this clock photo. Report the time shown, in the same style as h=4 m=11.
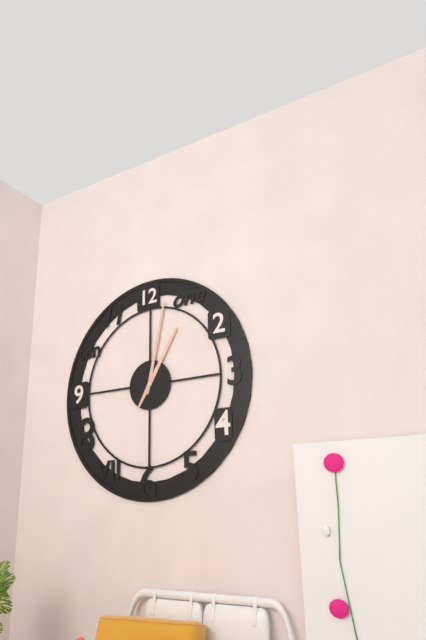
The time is h=1 m=2
